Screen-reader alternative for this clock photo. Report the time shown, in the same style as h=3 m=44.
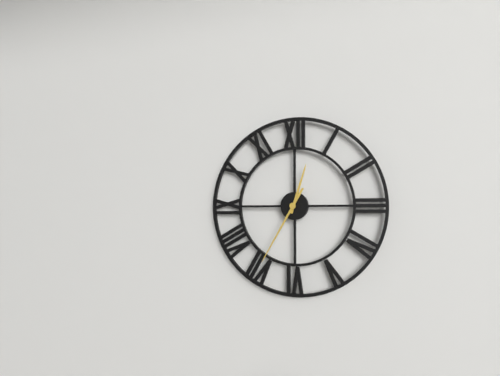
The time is h=12 m=35
